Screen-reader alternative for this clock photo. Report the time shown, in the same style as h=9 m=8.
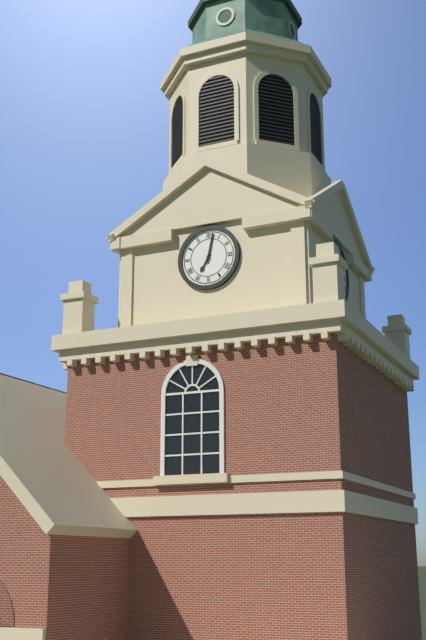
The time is h=7 m=2
